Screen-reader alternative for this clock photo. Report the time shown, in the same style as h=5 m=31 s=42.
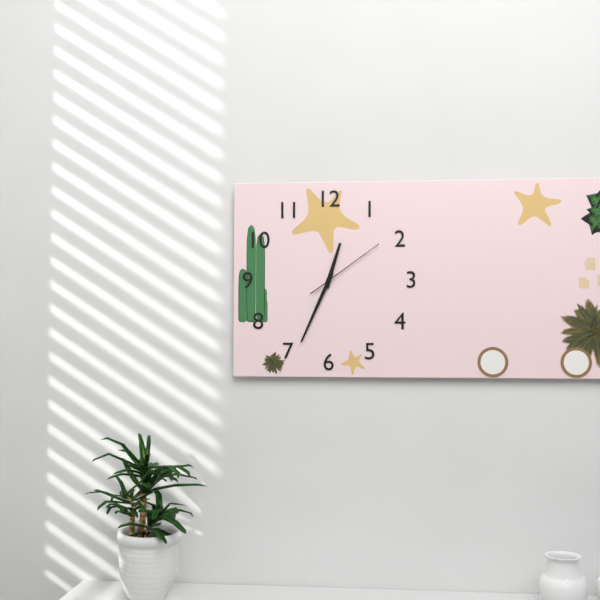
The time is h=12 m=34 s=9
